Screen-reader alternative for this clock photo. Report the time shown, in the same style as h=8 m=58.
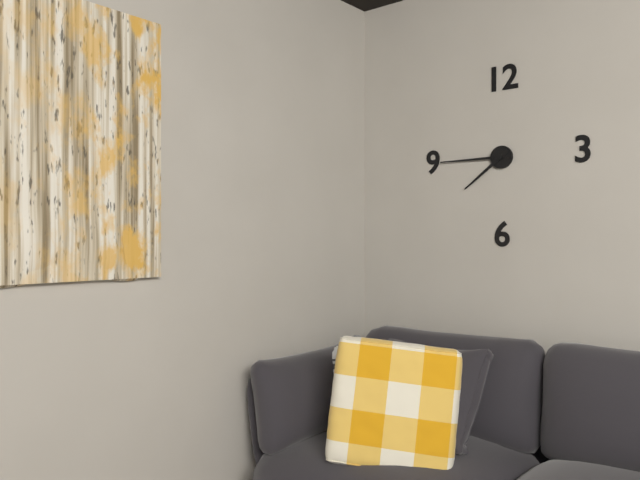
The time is h=7 m=45
